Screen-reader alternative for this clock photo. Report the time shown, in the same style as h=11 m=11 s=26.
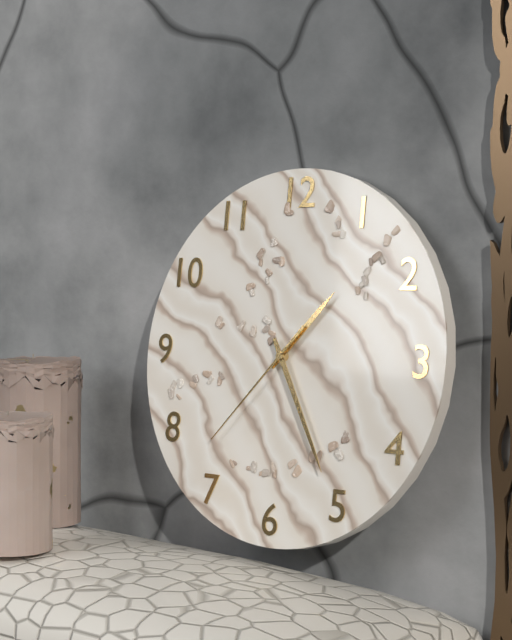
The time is h=1 m=25 s=37
